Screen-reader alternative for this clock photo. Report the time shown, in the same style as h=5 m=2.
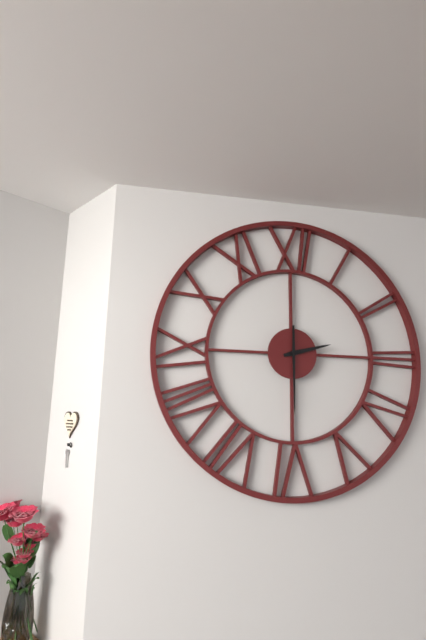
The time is h=2 m=30
